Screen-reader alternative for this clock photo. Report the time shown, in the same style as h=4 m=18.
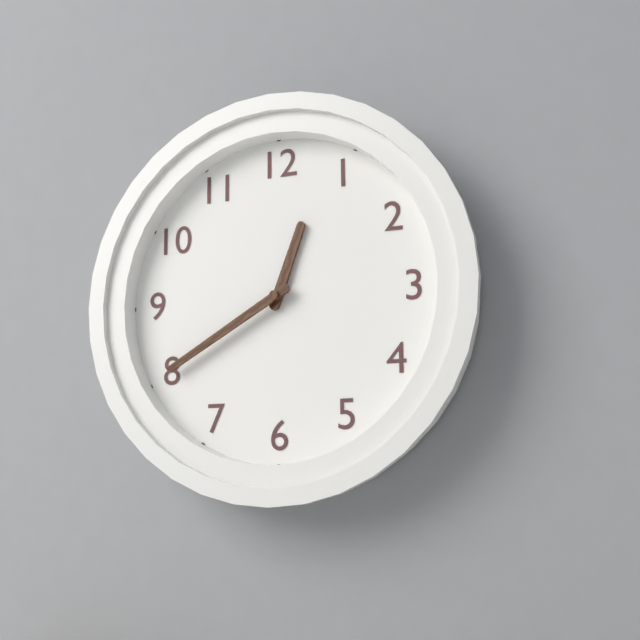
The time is h=12 m=40
